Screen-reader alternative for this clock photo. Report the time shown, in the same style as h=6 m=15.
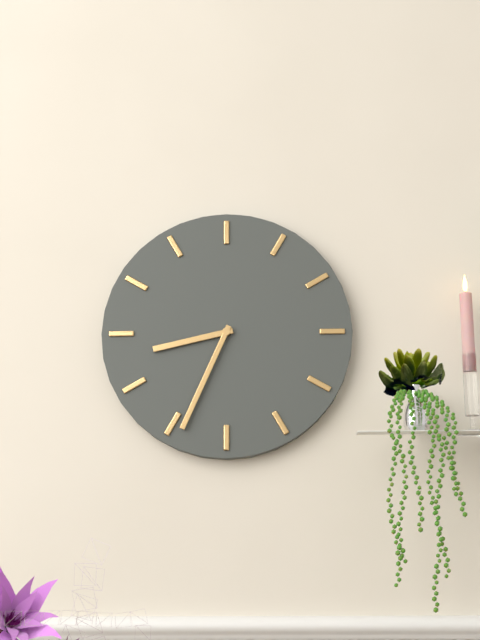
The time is h=8 m=34
